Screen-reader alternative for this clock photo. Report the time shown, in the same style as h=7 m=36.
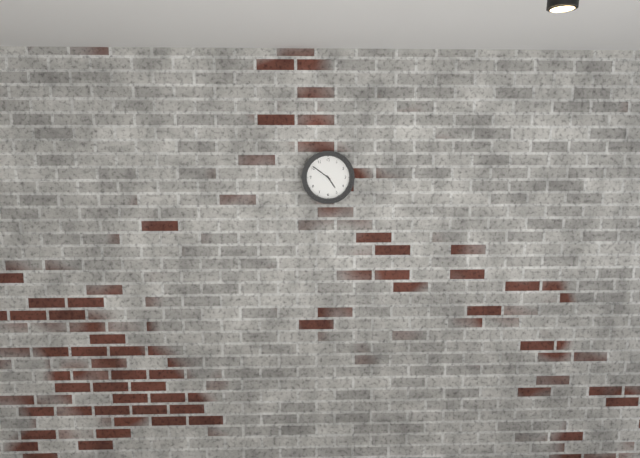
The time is h=4 m=51
